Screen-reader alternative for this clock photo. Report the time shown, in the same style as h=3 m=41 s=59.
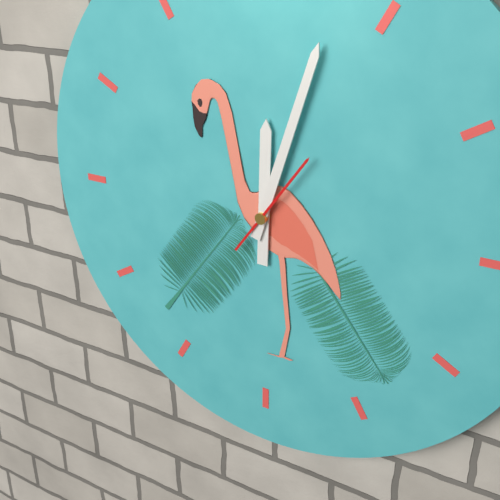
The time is h=12 m=3 s=6
